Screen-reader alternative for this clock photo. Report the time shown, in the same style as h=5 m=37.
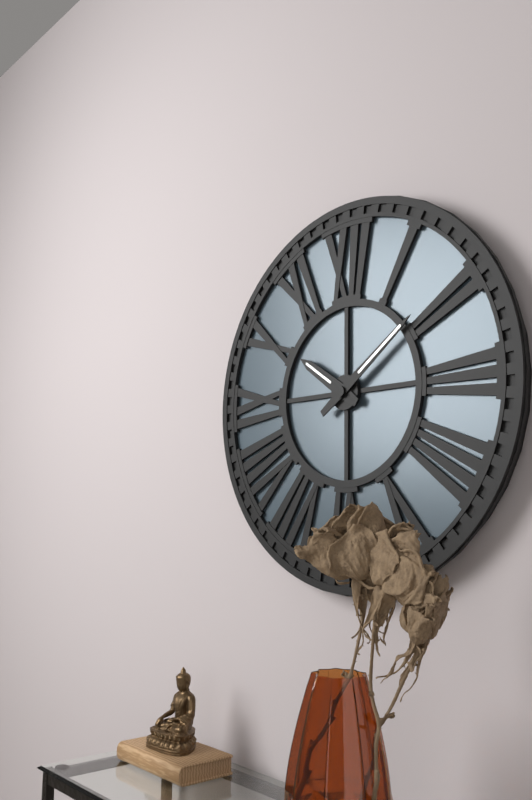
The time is h=10 m=9
